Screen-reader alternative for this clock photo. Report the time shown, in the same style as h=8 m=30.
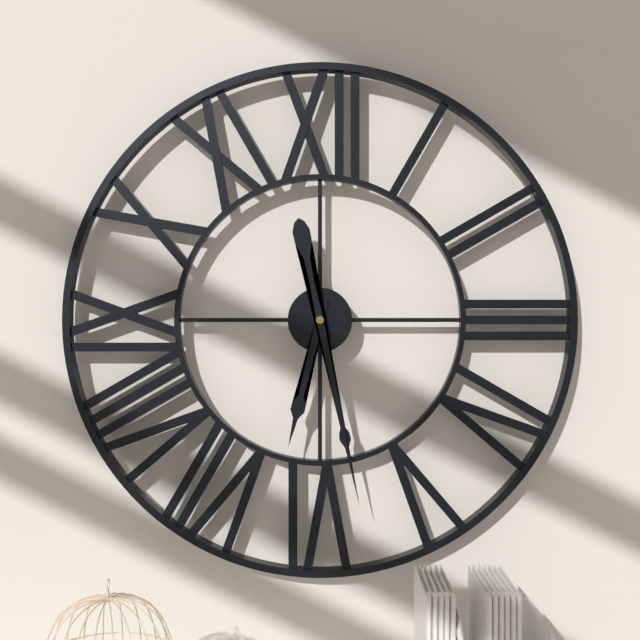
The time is h=6 m=28
